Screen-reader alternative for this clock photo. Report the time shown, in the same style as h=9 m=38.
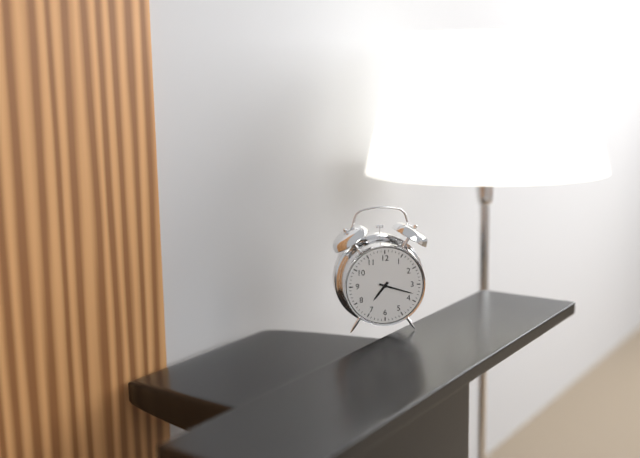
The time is h=7 m=18
